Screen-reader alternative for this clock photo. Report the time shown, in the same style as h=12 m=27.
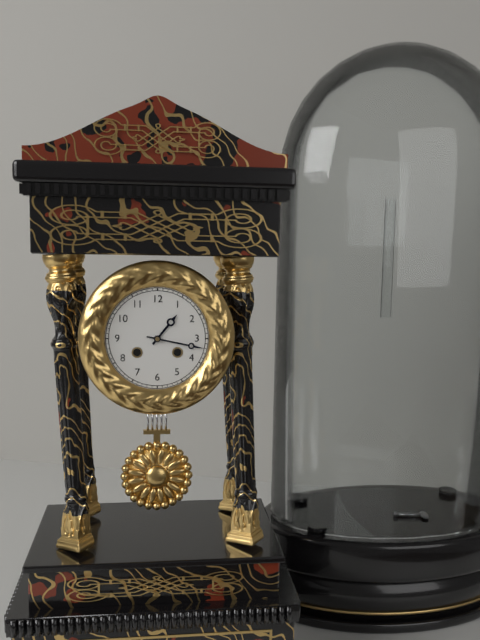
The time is h=1 m=17
